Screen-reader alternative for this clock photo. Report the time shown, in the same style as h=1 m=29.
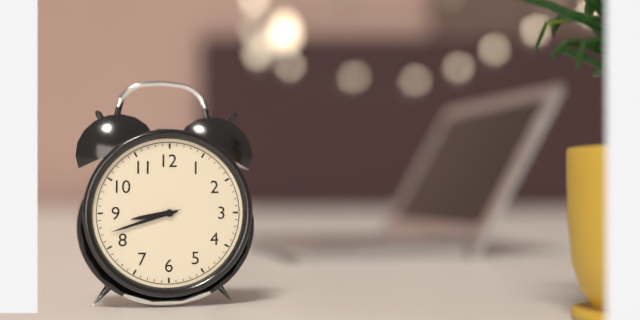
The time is h=8 m=42
